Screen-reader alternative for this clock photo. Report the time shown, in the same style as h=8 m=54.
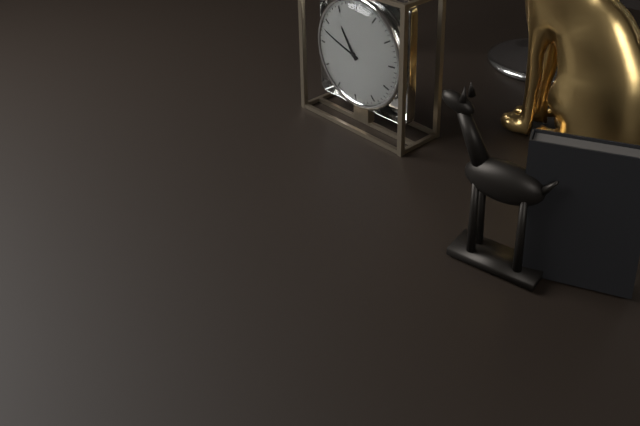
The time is h=10 m=48
